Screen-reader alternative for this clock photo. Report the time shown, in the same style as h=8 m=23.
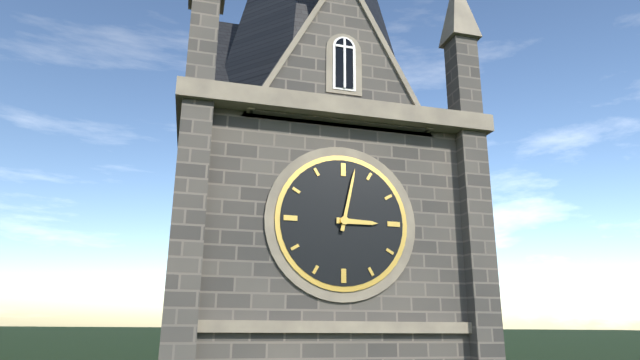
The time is h=3 m=2
